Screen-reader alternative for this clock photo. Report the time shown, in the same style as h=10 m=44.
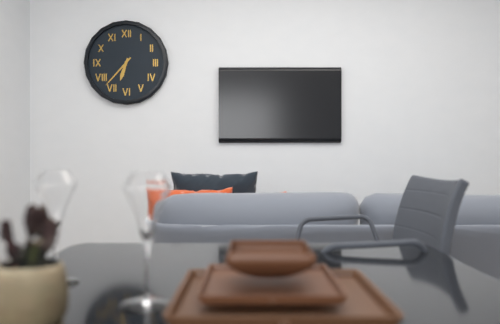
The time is h=6 m=37
